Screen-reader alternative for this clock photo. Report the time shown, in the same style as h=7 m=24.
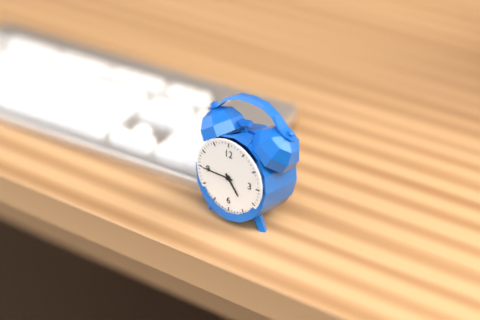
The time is h=4 m=45
